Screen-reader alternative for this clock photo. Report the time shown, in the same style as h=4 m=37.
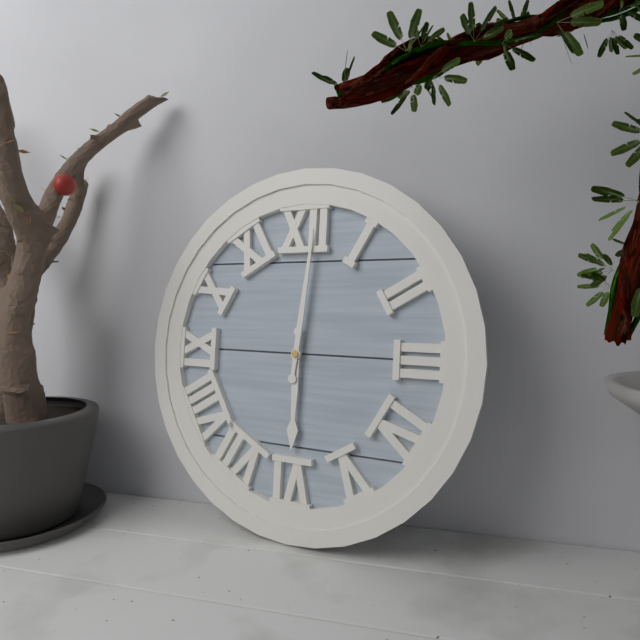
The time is h=6 m=1
